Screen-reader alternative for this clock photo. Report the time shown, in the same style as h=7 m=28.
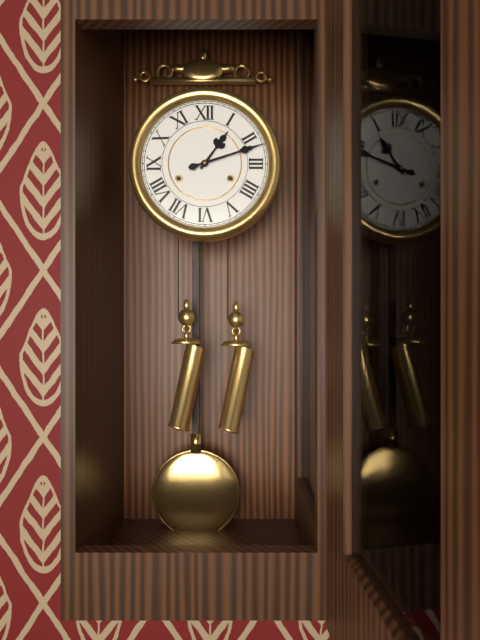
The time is h=1 m=12
